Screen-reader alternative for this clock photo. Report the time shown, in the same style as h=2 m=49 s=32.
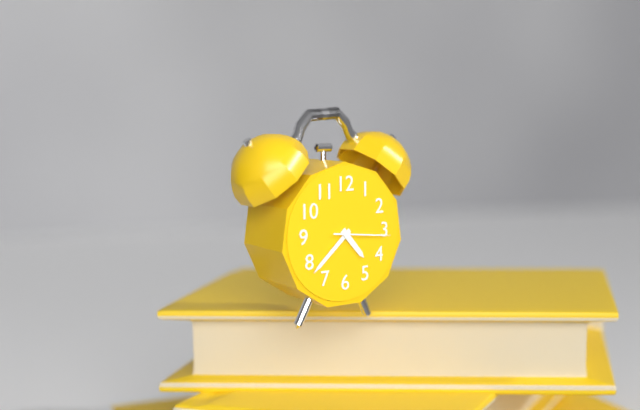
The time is h=4 m=38 s=16
